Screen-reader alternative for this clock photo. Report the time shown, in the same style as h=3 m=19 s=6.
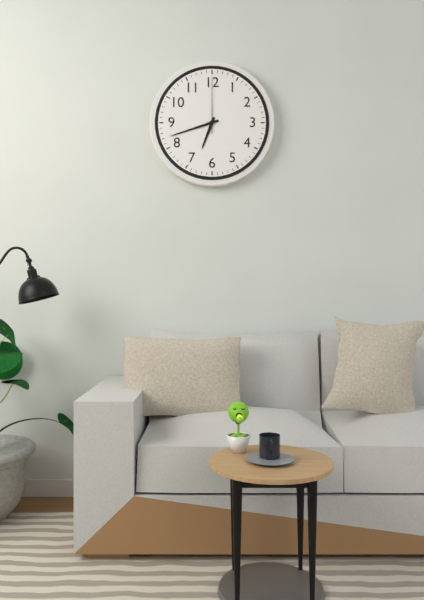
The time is h=6 m=42 s=0
